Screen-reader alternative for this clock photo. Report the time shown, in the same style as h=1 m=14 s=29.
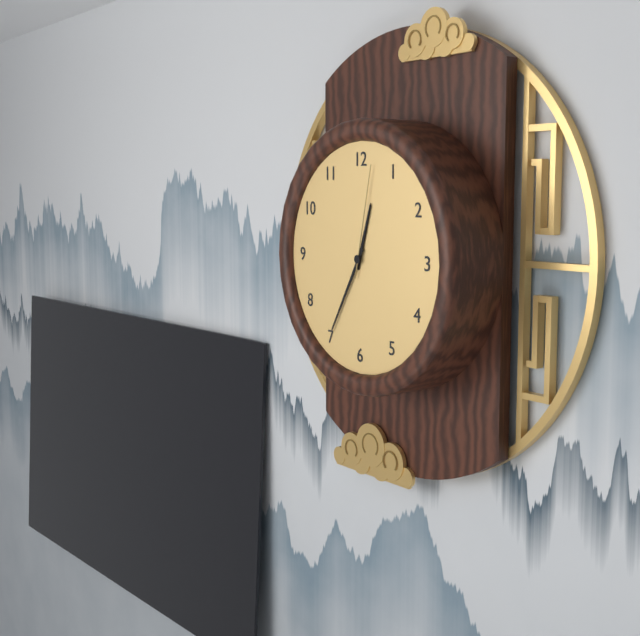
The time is h=12 m=35 s=2
